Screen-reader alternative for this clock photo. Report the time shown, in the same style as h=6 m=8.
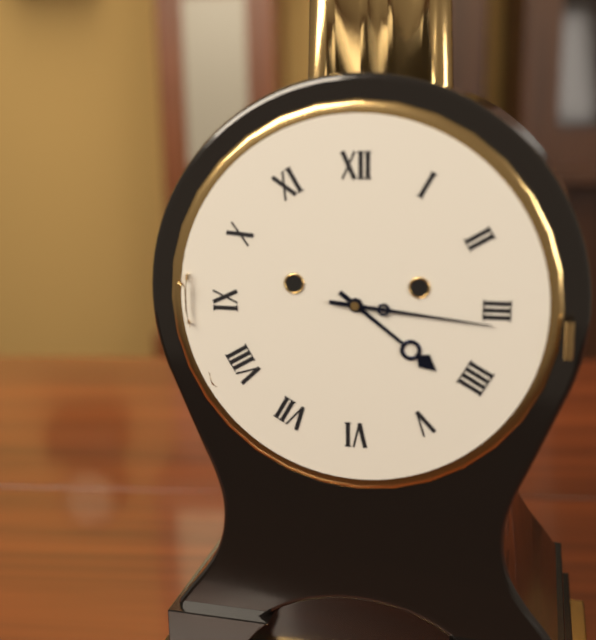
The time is h=4 m=16
